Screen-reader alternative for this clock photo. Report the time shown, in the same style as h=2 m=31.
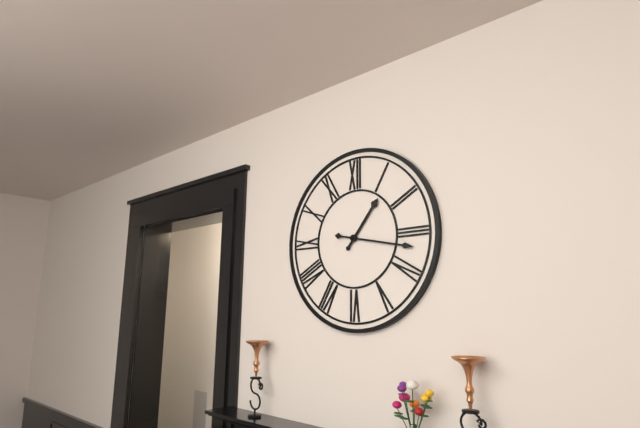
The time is h=1 m=17
